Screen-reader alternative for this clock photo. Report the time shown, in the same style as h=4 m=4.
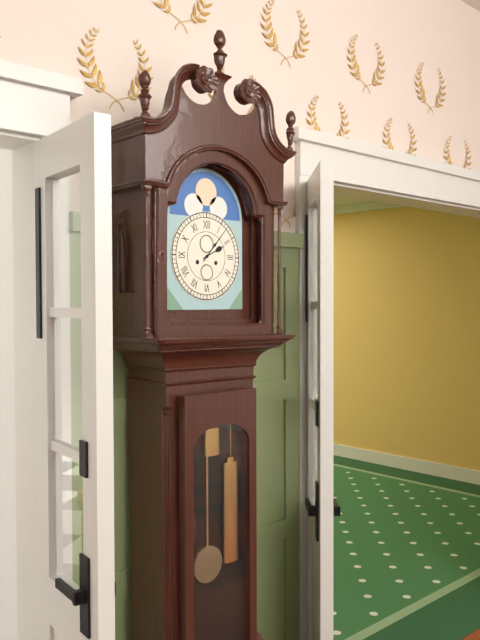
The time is h=2 m=7
